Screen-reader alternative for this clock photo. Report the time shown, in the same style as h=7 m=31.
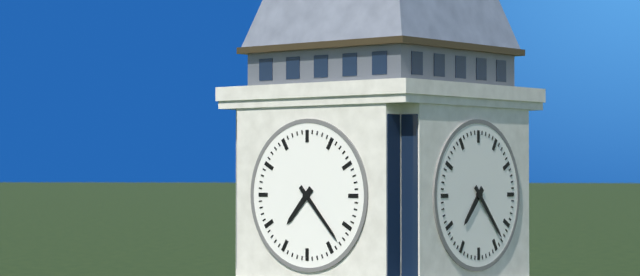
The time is h=7 m=23
